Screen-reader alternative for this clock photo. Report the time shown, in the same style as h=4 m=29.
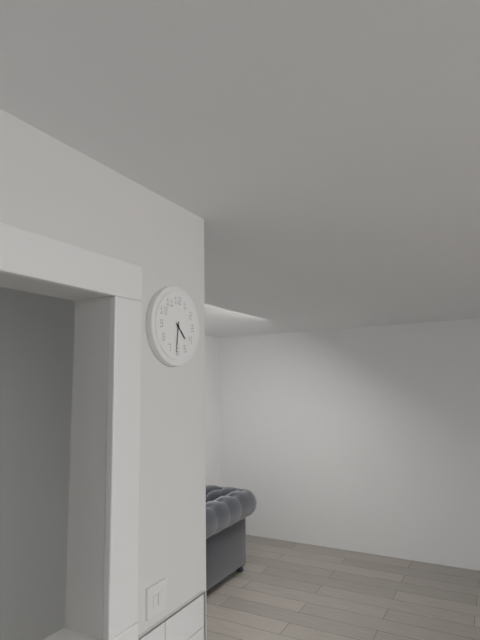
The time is h=4 m=31
